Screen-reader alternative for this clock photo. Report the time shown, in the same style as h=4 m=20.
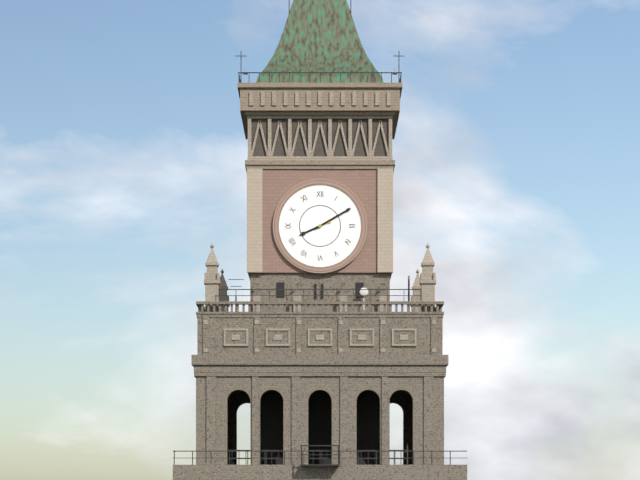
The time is h=8 m=10
